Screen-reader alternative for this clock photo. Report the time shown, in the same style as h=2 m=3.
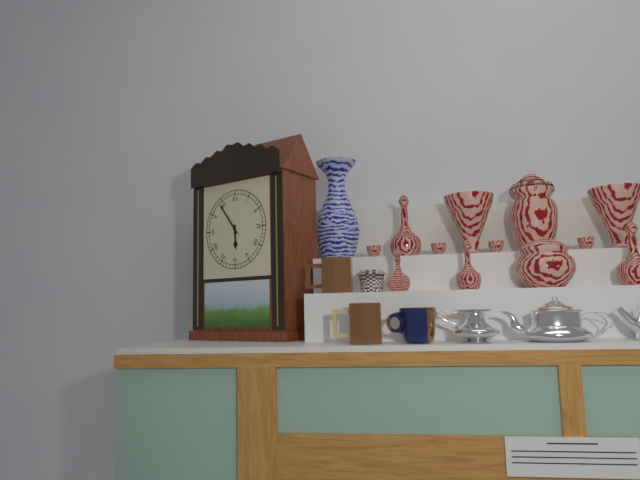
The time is h=5 m=54
